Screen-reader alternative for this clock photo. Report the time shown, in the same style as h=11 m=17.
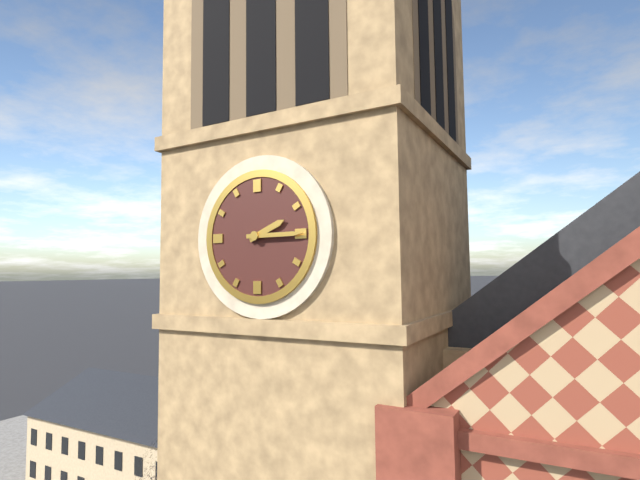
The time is h=2 m=15
